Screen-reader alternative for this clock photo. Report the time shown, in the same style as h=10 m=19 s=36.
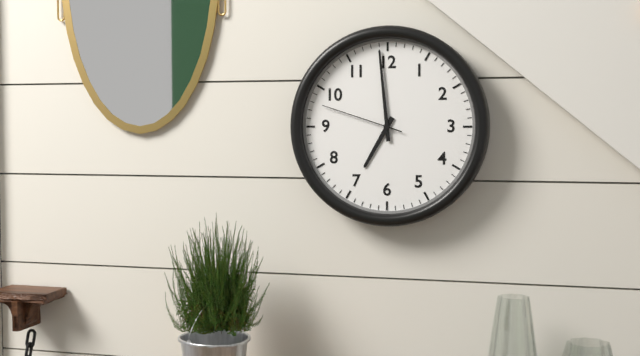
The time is h=6 m=59 s=48
